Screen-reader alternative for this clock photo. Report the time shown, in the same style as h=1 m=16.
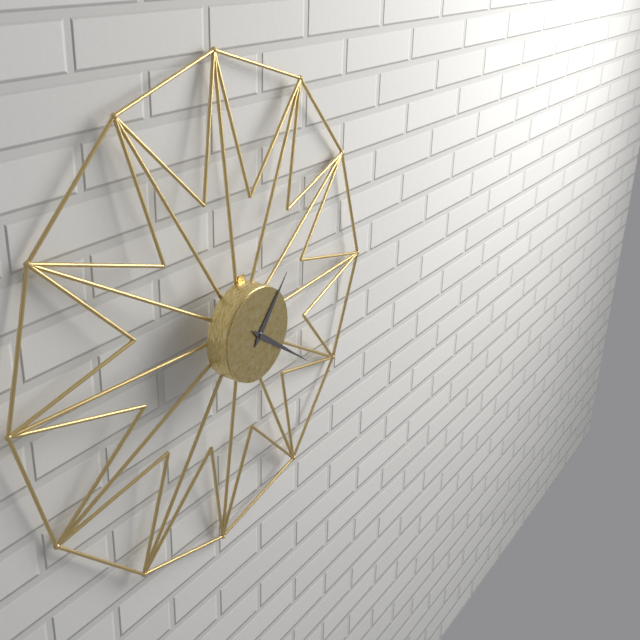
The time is h=1 m=21
